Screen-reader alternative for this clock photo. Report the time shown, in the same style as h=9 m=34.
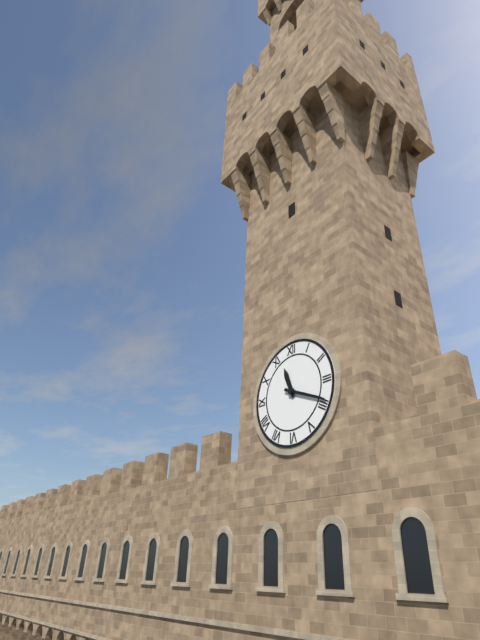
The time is h=11 m=19
